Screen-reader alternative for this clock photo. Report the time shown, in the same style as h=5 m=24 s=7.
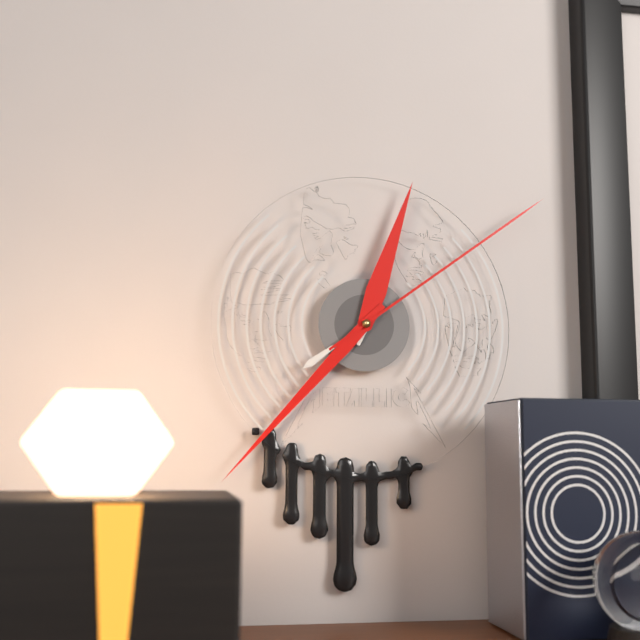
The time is h=12 m=37 s=9
